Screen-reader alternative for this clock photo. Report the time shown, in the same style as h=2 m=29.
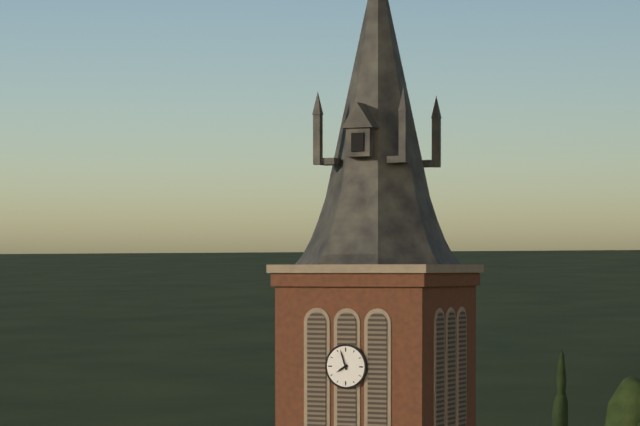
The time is h=7 m=57
